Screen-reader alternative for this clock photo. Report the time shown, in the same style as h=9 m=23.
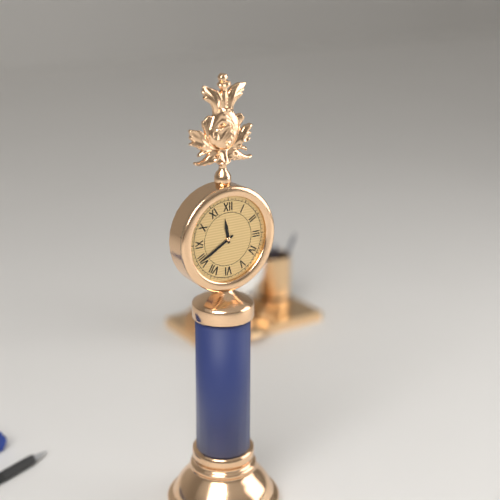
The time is h=11 m=40
